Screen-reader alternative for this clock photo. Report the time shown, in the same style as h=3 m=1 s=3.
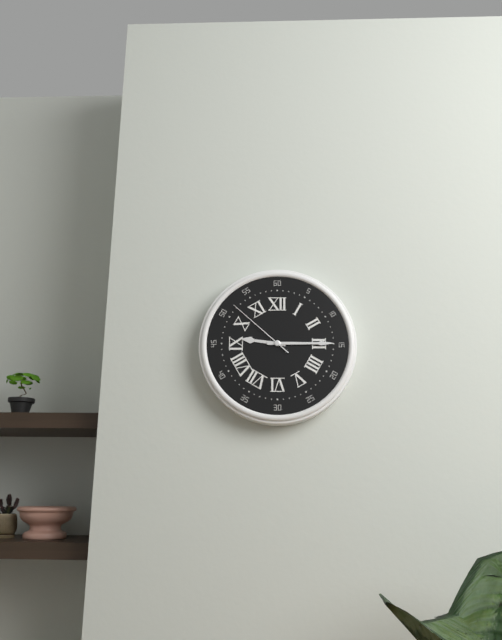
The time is h=9 m=15 s=52
